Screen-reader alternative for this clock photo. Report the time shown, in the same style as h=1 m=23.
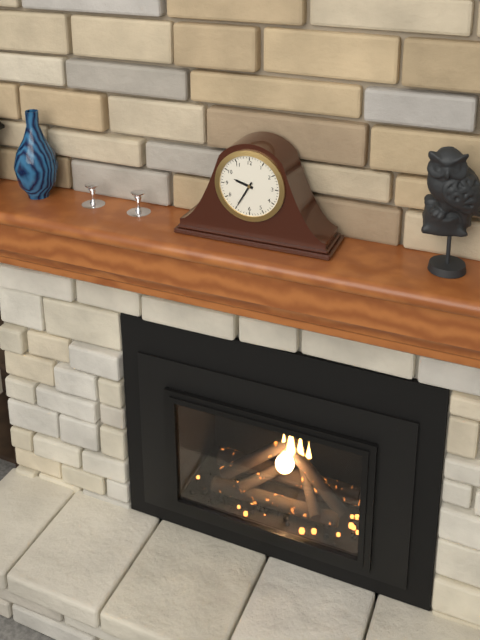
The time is h=9 m=35
